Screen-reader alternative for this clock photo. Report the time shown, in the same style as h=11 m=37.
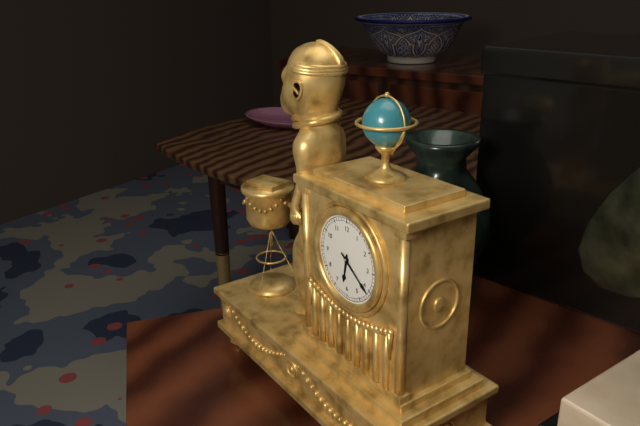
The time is h=6 m=21
